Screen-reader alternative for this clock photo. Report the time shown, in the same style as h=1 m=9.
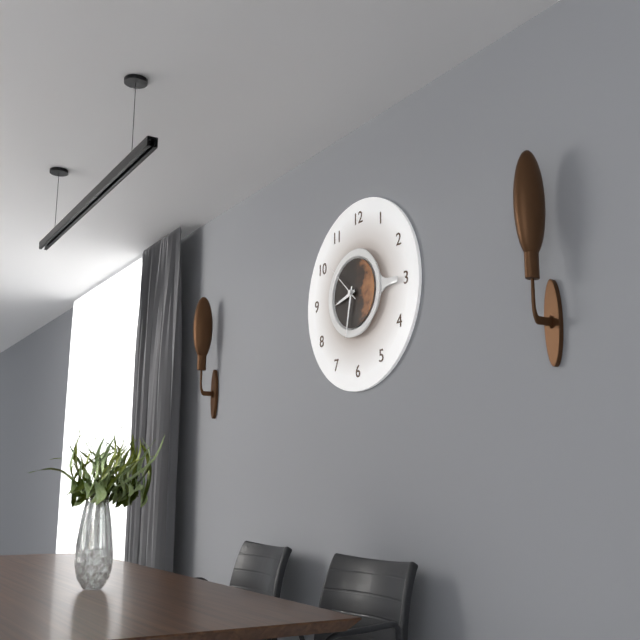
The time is h=8 m=32
